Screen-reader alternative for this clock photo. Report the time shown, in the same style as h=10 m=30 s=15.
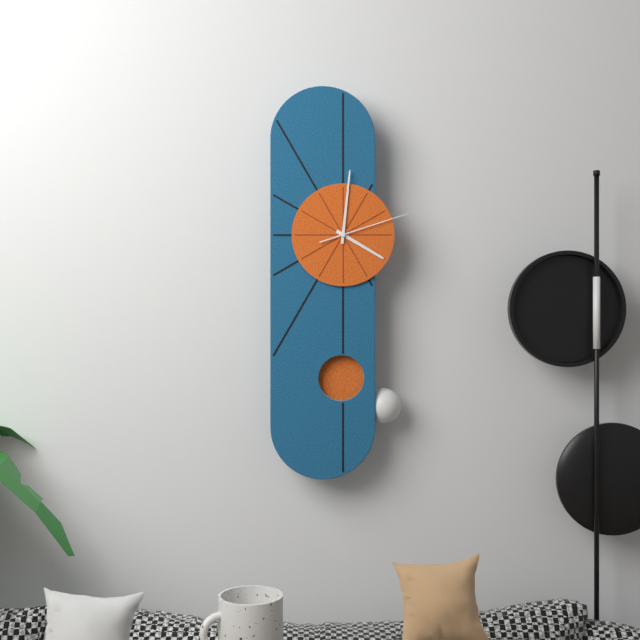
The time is h=4 m=1 s=12
